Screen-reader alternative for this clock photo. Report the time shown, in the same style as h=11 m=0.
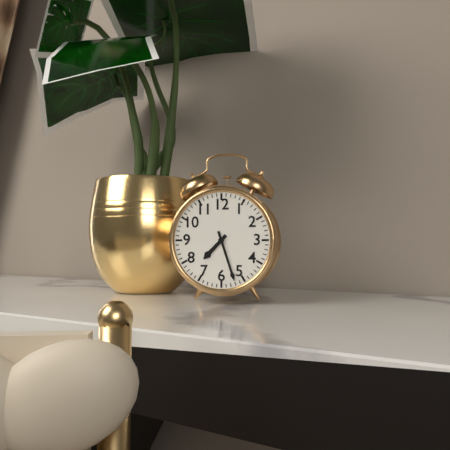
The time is h=7 m=27
